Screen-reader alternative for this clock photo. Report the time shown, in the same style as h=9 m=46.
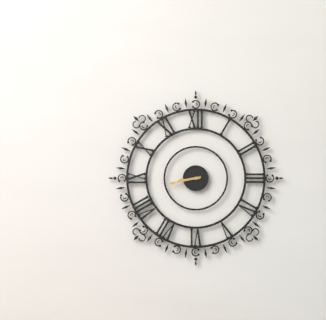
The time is h=8 m=43
